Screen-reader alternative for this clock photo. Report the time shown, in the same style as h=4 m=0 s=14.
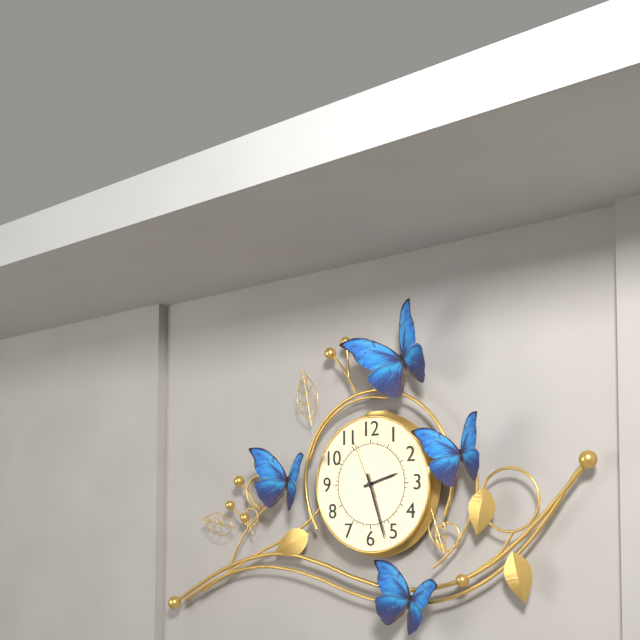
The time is h=2 m=27 s=56
